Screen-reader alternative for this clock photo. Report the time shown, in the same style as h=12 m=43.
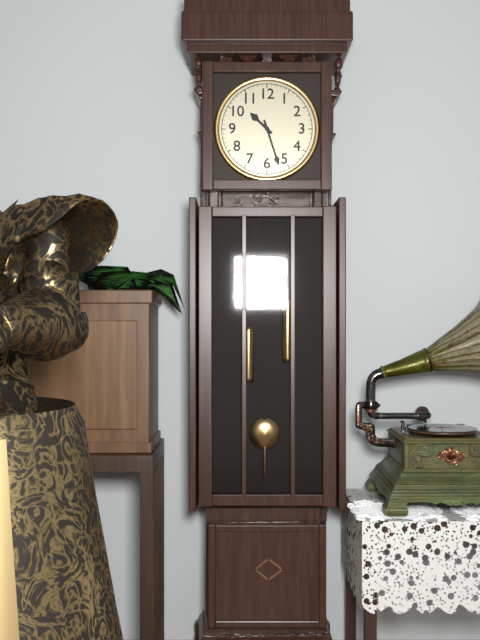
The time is h=10 m=27
